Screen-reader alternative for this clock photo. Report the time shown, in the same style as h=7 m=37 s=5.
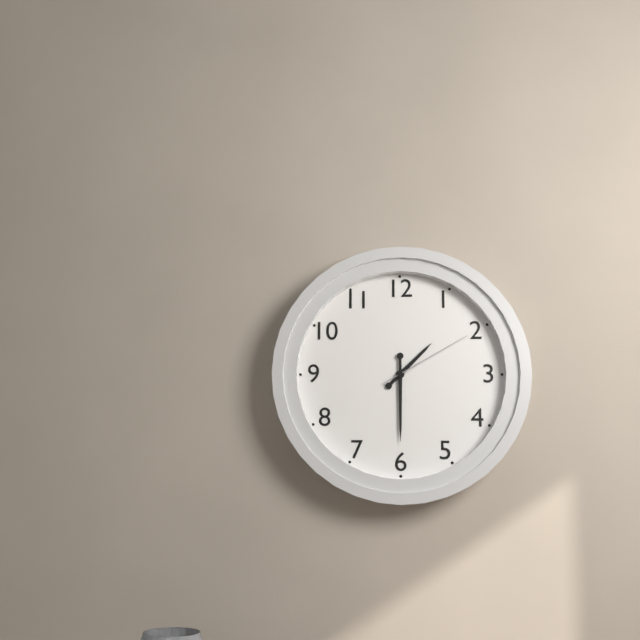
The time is h=1 m=30 s=10
